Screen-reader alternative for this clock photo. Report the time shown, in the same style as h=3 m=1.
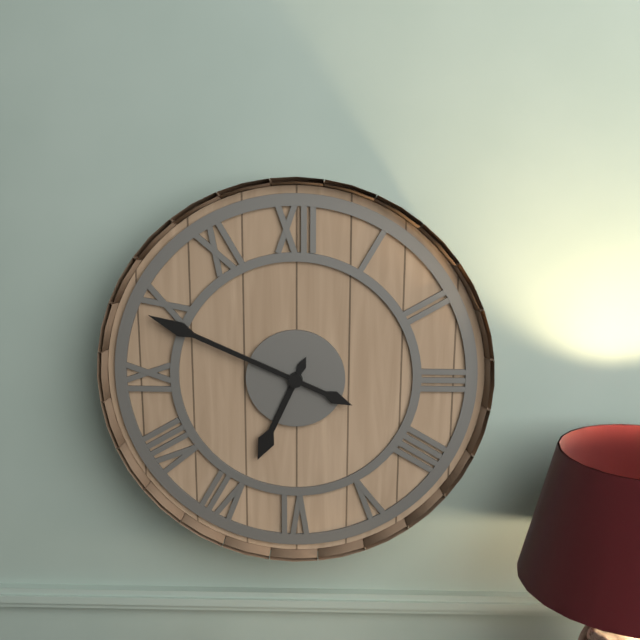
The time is h=6 m=49
